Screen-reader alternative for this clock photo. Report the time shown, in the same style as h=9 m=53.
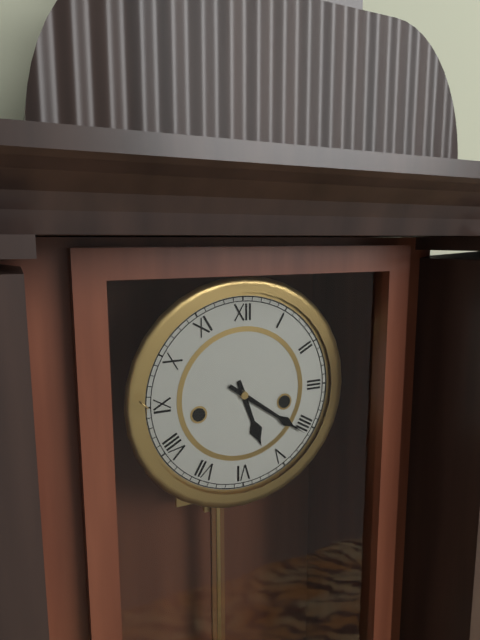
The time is h=5 m=21
